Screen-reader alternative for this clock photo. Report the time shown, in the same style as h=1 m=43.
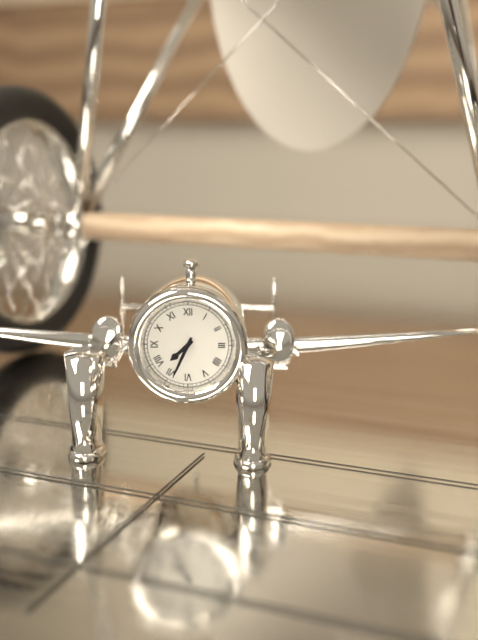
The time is h=7 m=34
